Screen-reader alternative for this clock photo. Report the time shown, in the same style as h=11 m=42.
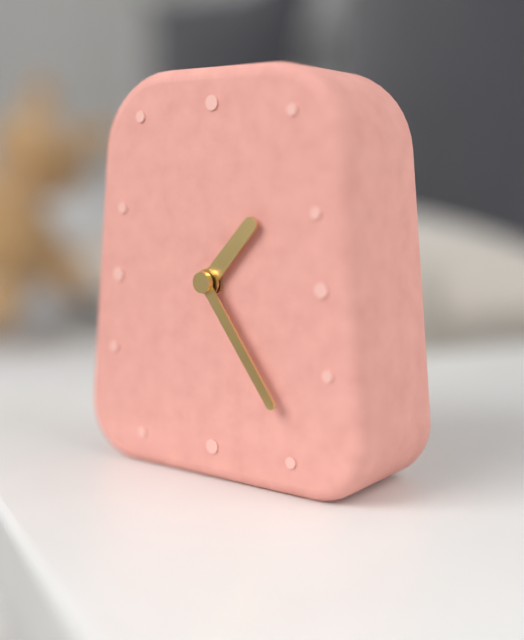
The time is h=1 m=24
